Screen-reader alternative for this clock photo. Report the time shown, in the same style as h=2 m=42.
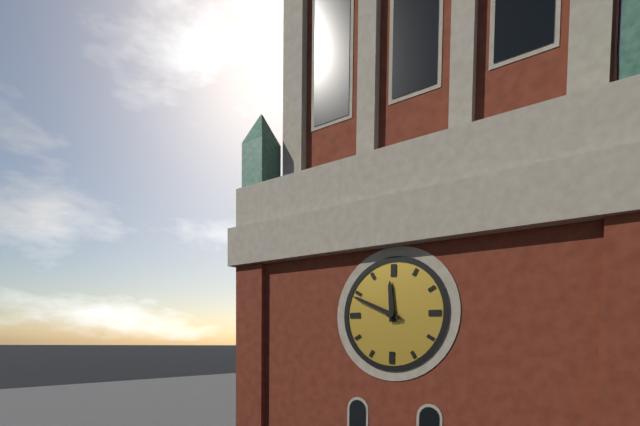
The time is h=11 m=49
